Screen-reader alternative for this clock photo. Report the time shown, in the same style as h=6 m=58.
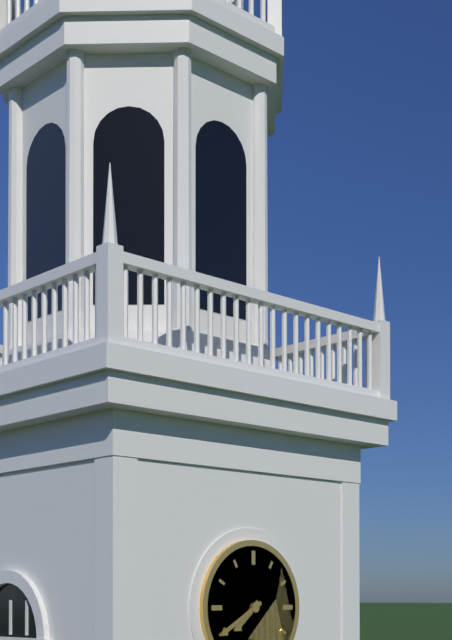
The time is h=7 m=40
